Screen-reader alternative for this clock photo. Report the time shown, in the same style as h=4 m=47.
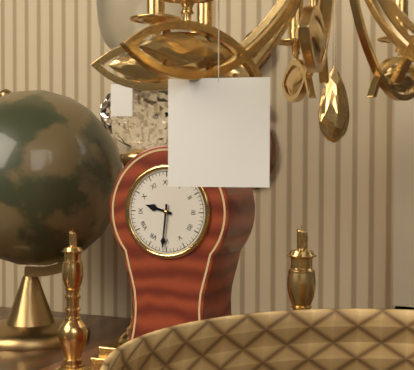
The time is h=9 m=31
